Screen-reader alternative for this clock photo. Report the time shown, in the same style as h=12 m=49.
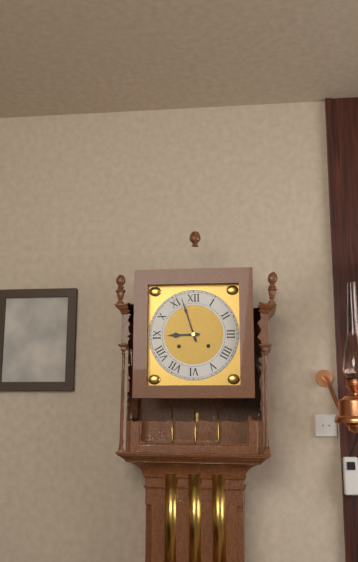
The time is h=8 m=57
